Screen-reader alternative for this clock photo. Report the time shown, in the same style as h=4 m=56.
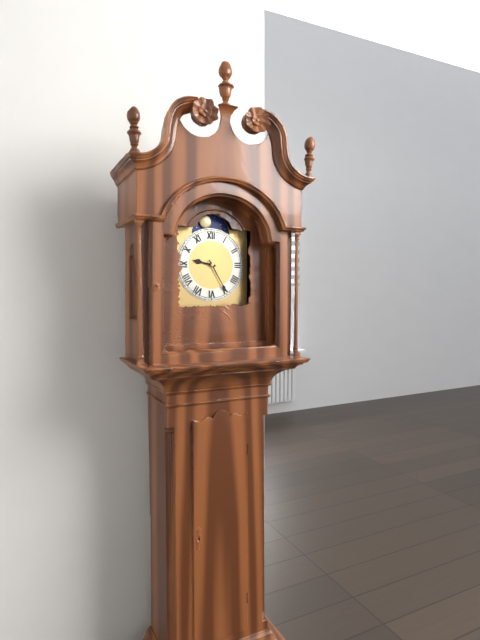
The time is h=9 m=25
